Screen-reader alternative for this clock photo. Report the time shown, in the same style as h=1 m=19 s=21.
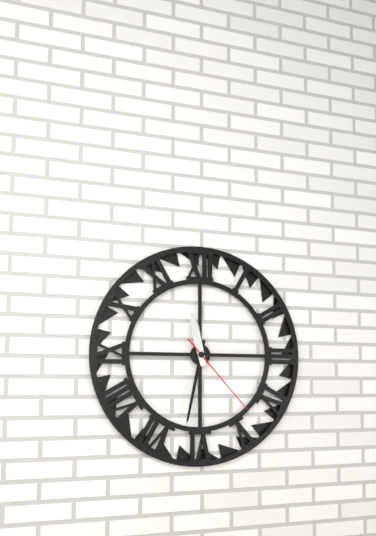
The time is h=11 m=32 s=23
